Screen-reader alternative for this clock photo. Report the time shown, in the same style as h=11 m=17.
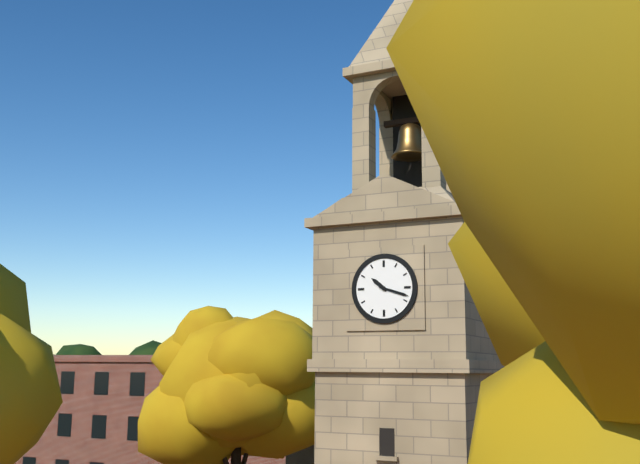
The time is h=10 m=18
